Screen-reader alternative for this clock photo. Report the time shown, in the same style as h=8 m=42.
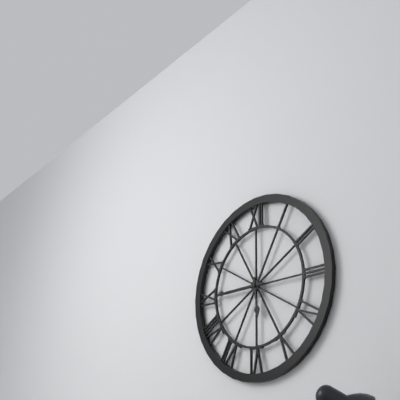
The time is h=5 m=45
